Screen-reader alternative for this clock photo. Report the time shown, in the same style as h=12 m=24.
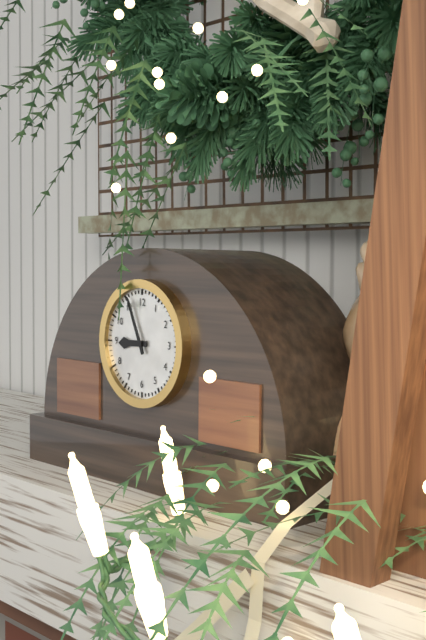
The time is h=8 m=56
